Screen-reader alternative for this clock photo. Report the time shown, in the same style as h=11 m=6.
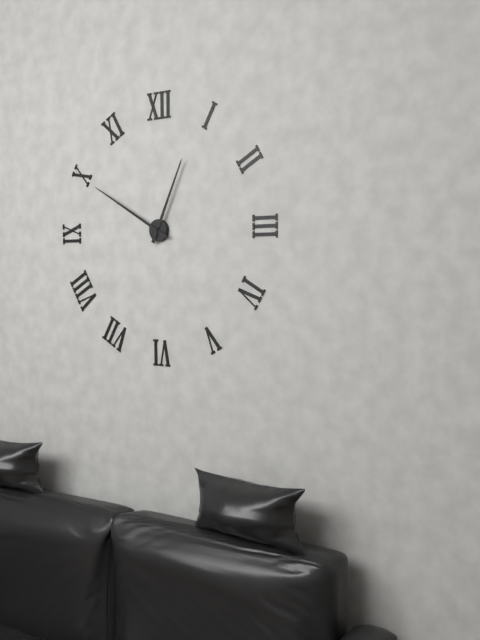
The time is h=12 m=50
